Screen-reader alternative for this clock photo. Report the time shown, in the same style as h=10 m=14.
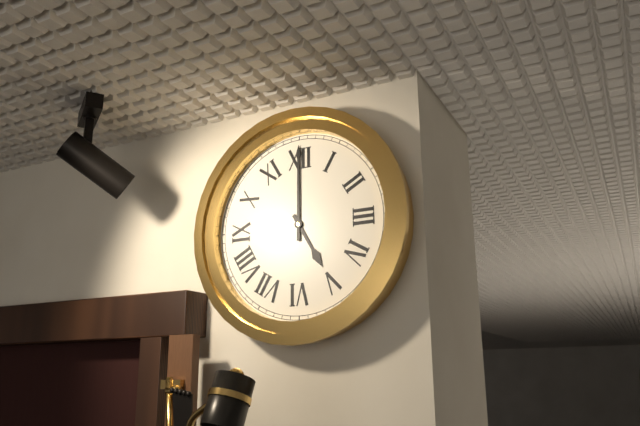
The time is h=5 m=0
